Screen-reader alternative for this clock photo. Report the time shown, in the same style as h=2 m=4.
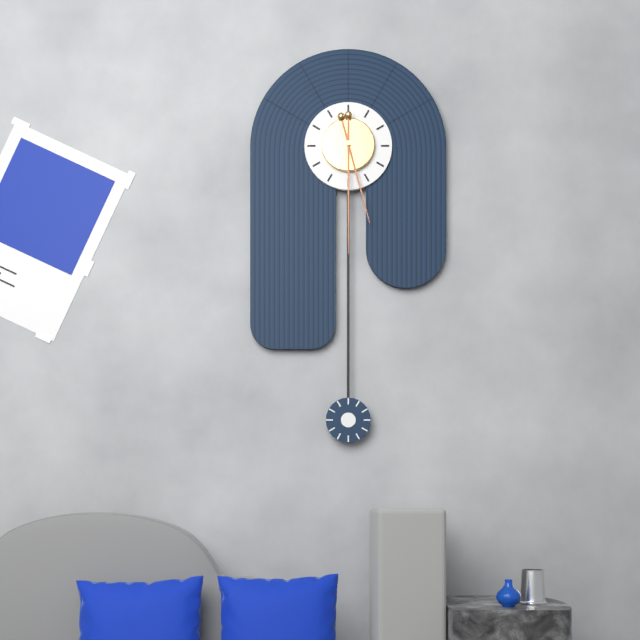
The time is h=5 m=30
